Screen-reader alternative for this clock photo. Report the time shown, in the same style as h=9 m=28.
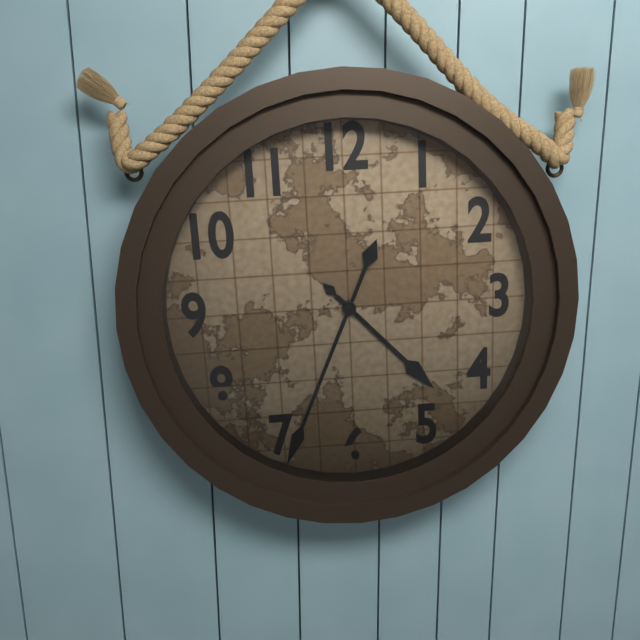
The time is h=4 m=34
